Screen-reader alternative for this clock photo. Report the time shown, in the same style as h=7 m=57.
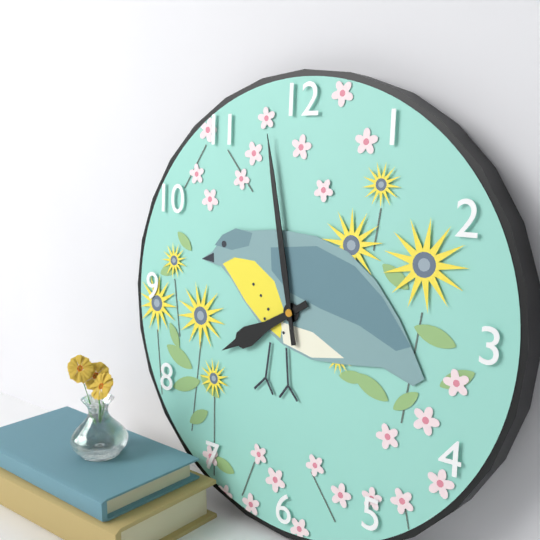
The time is h=7 m=58
